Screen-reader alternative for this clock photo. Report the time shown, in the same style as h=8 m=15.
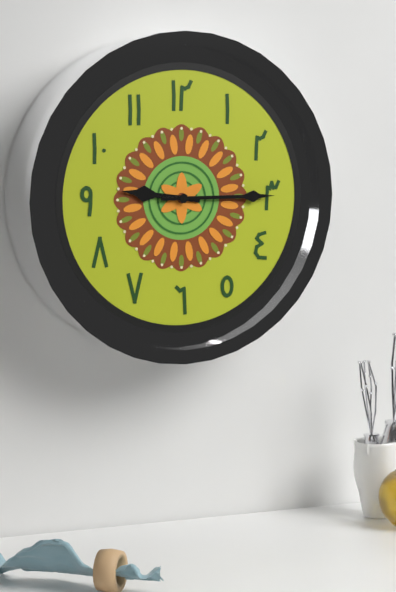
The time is h=9 m=15
